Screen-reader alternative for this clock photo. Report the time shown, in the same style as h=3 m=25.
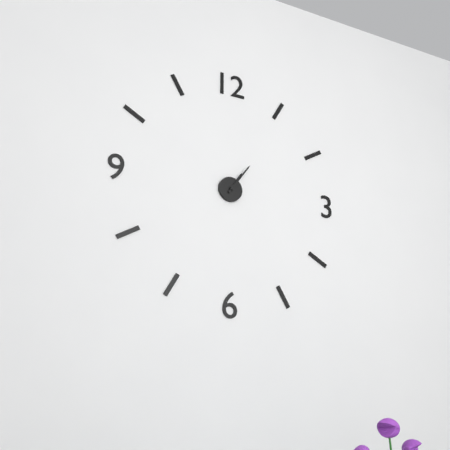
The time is h=1 m=6
